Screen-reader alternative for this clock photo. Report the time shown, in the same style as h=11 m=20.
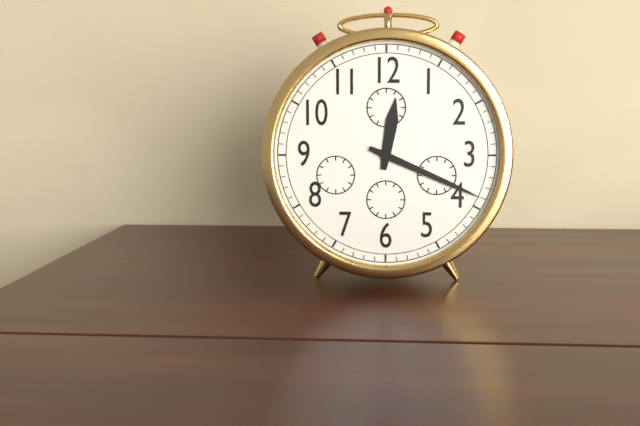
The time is h=12 m=19
